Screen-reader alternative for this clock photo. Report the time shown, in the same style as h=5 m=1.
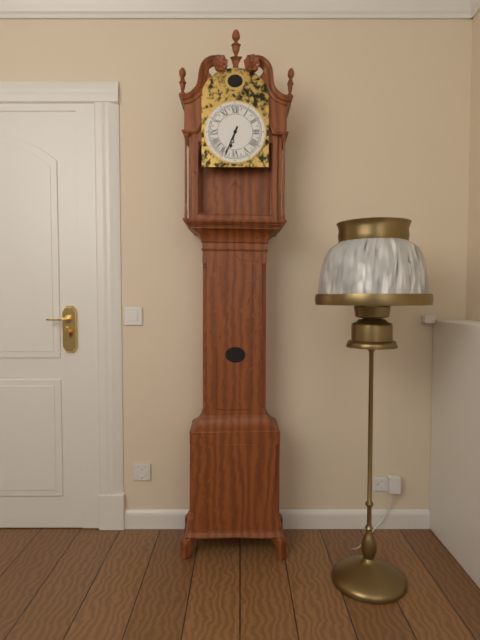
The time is h=6 m=34
